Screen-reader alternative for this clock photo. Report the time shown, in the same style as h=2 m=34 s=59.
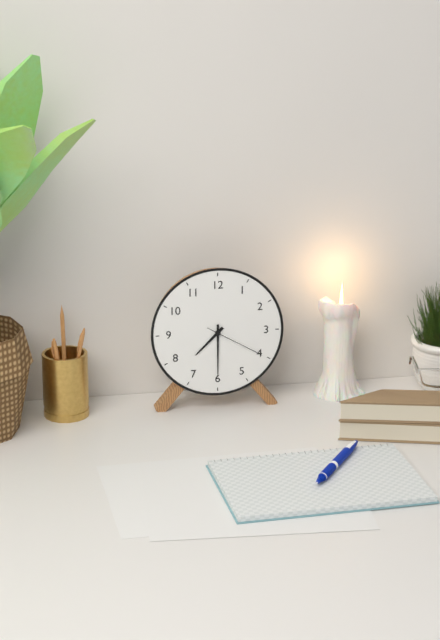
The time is h=7 m=30 s=20
